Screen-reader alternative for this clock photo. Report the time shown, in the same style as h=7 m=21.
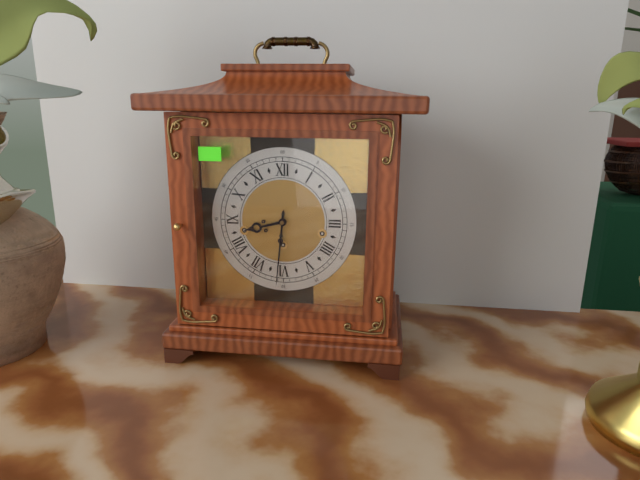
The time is h=8 m=31
